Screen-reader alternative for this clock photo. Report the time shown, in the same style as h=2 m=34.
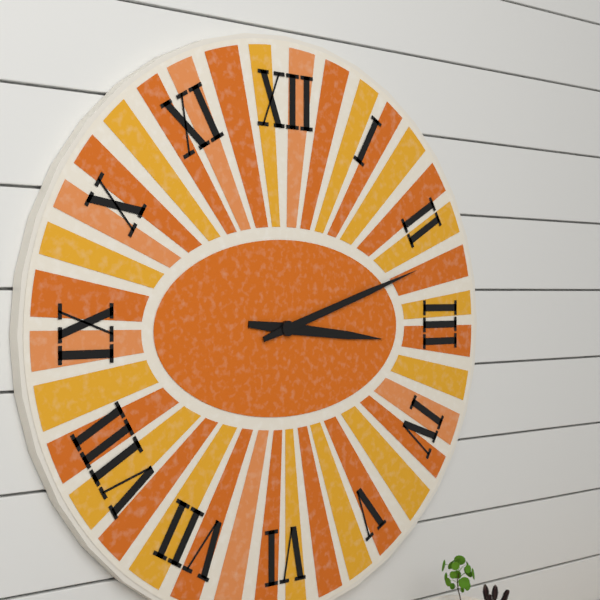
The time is h=3 m=12
